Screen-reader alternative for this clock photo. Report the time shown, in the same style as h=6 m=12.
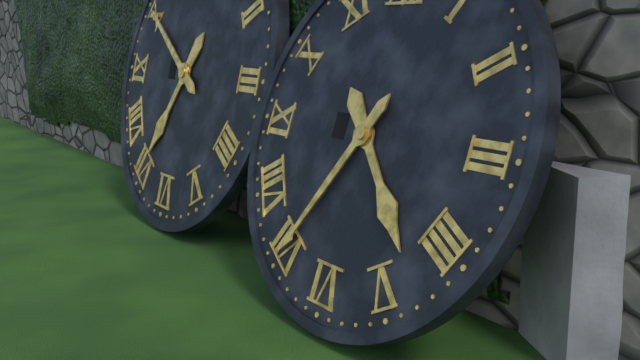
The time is h=4 m=35
